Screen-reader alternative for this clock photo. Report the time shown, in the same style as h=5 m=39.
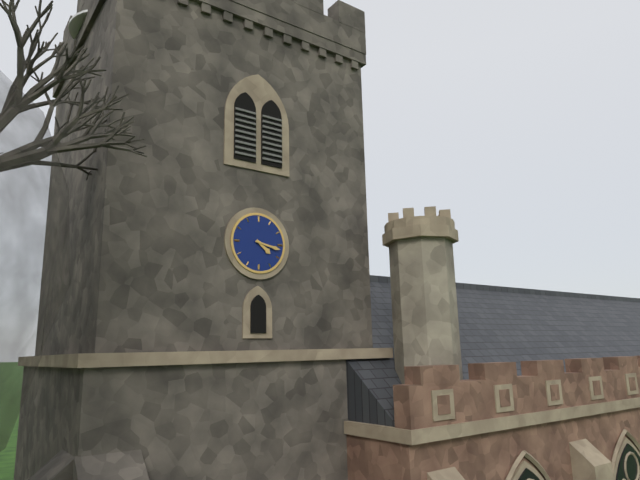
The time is h=4 m=17
